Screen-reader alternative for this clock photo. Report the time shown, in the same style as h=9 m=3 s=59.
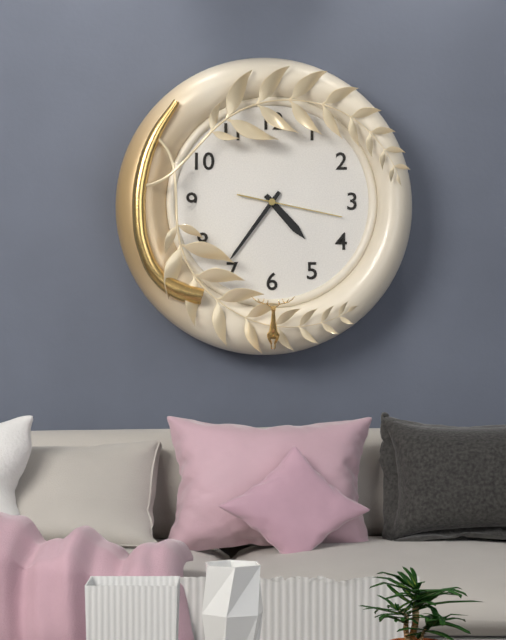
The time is h=4 m=36 s=17
